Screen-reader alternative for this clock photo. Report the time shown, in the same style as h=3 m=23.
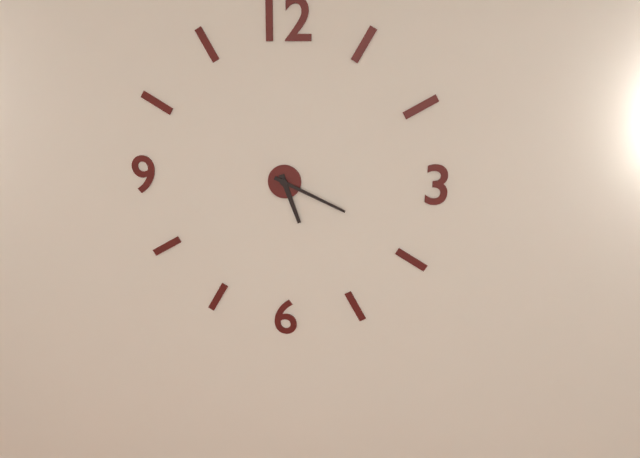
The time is h=5 m=19
